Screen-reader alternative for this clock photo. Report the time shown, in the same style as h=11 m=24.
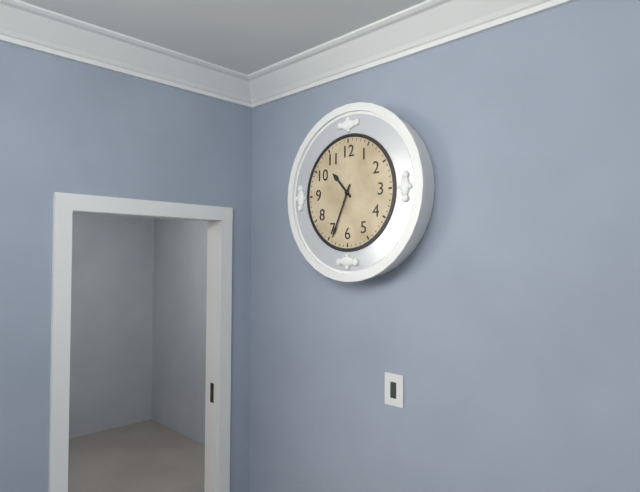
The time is h=10 m=34
